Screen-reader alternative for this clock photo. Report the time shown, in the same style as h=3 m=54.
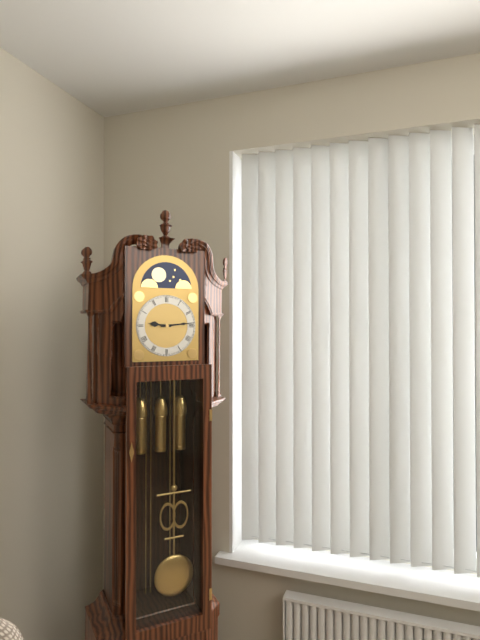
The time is h=9 m=14
